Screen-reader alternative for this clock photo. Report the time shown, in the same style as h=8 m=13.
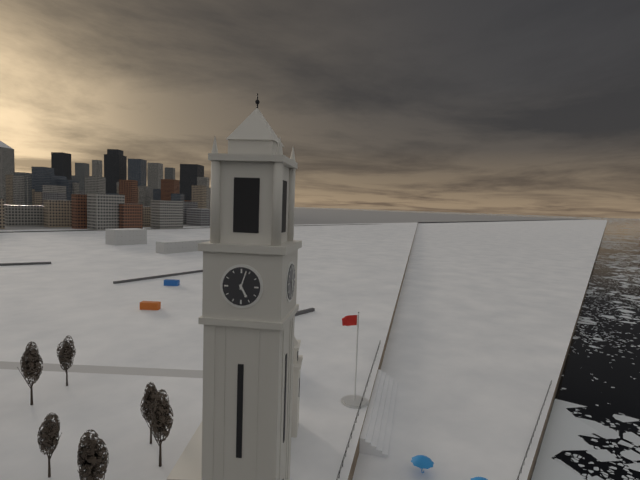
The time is h=5 m=3
